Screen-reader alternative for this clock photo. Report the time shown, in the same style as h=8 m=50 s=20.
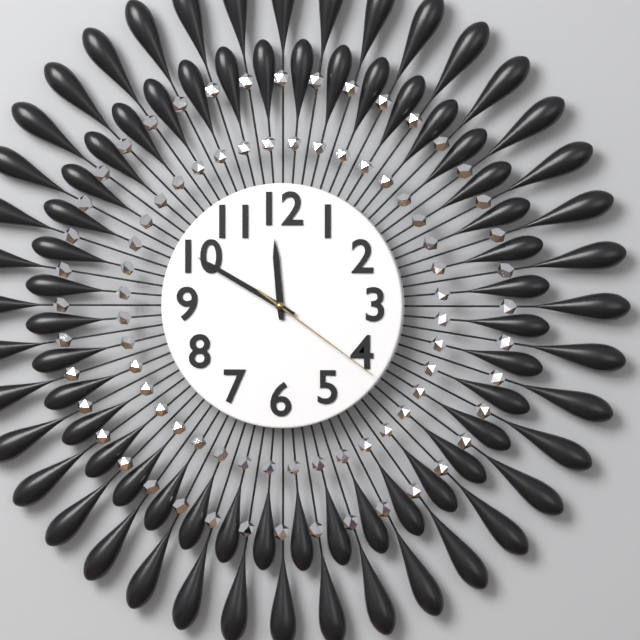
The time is h=11 m=50 s=21
